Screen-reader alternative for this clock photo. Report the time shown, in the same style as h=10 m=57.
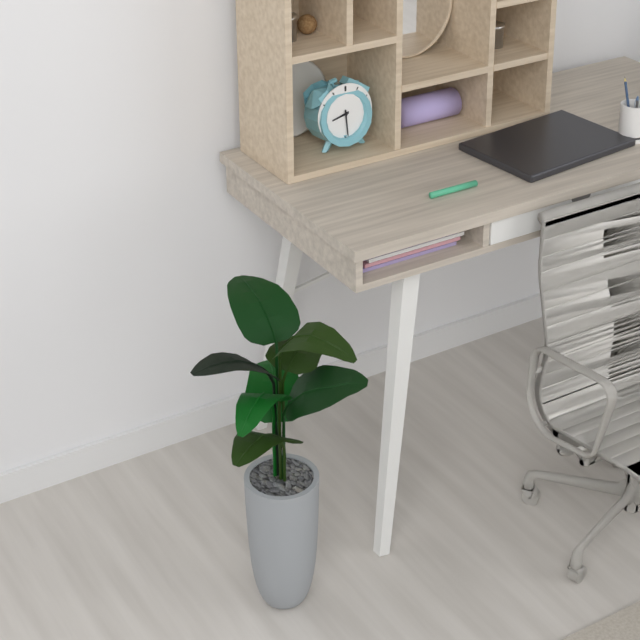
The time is h=8 m=29
